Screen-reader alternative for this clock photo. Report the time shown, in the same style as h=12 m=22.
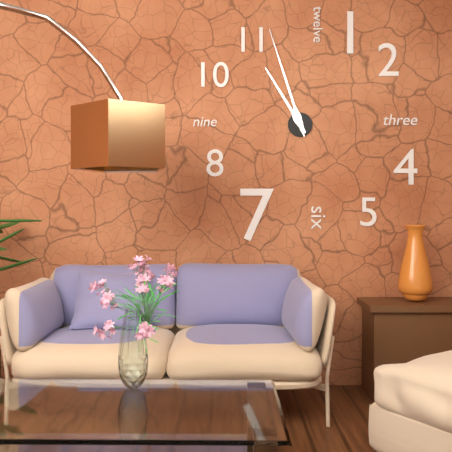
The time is h=10 m=57
